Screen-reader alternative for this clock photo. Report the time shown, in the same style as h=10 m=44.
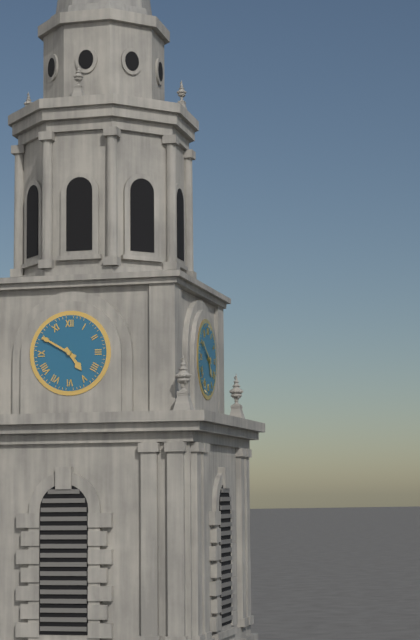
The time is h=4 m=50
